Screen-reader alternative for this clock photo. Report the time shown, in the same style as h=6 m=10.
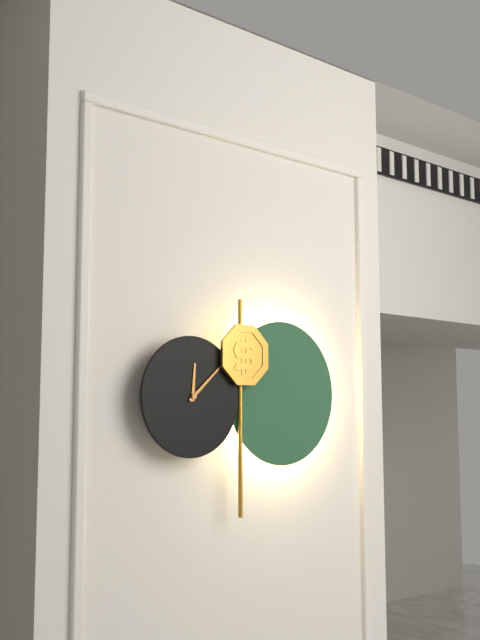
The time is h=12 m=8
